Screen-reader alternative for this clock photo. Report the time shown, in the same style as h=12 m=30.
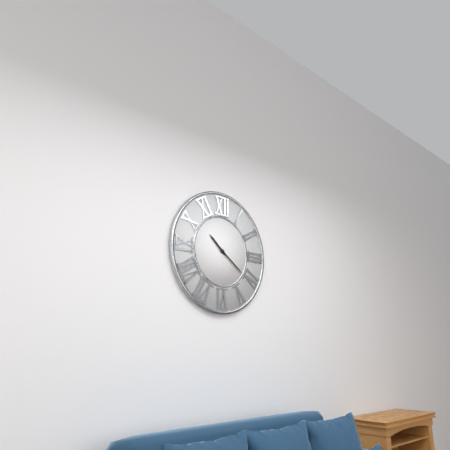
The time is h=10 m=21
